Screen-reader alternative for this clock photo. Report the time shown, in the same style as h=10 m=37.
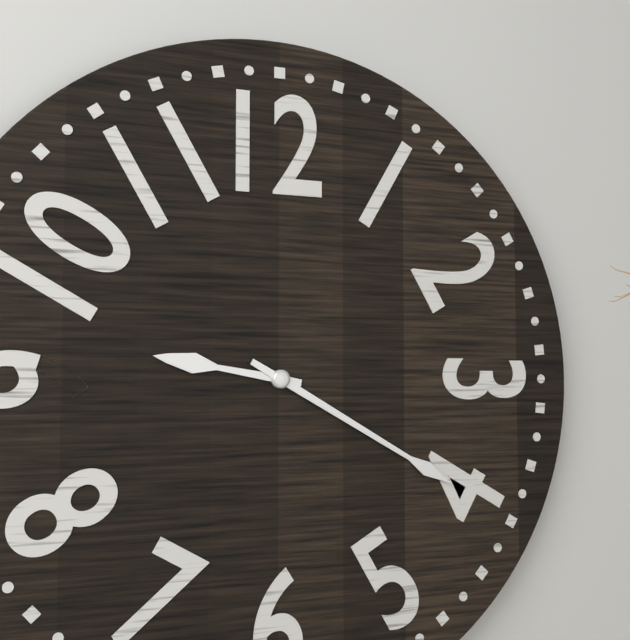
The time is h=9 m=20
